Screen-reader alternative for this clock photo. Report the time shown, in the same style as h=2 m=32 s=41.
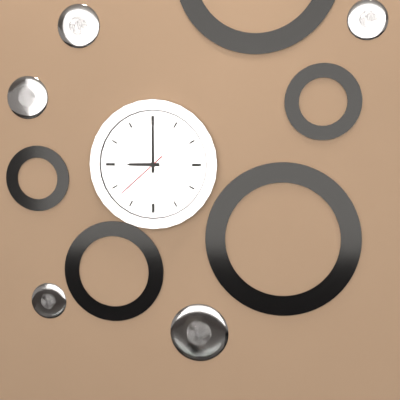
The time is h=9 m=0 s=38
